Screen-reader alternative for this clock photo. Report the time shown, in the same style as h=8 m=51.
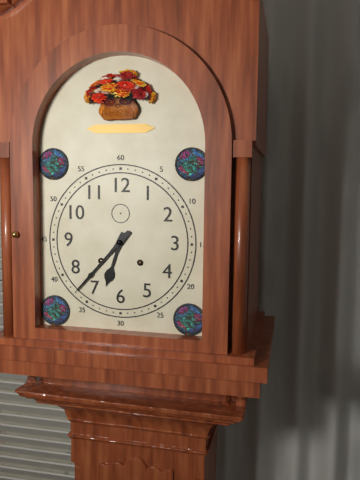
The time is h=6 m=37
